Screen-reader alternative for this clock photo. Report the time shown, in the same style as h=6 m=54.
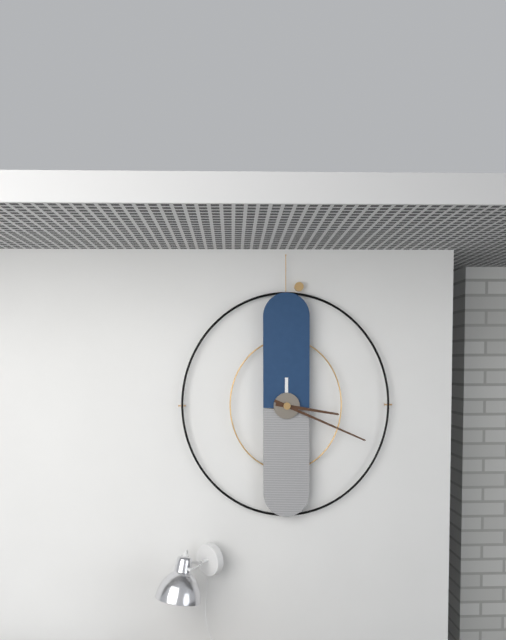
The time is h=3 m=19
